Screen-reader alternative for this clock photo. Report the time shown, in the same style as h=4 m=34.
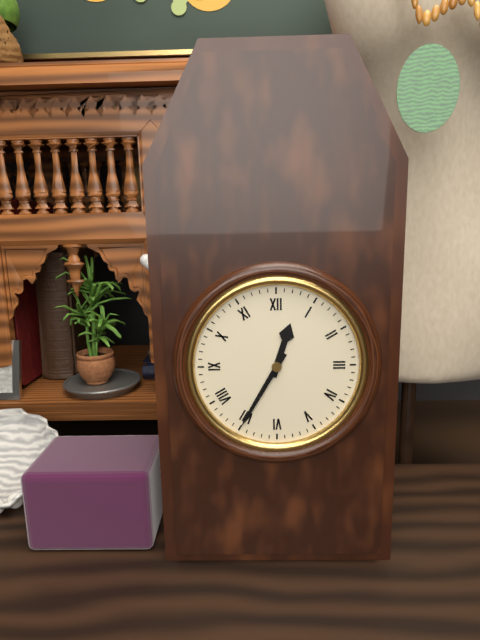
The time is h=12 m=35
